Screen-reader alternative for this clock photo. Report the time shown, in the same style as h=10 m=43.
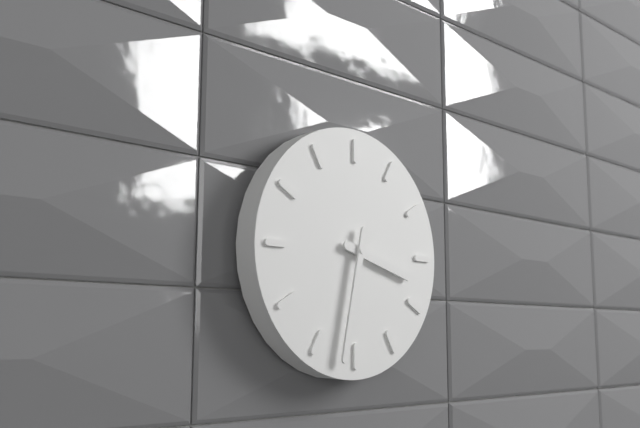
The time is h=3 m=32
